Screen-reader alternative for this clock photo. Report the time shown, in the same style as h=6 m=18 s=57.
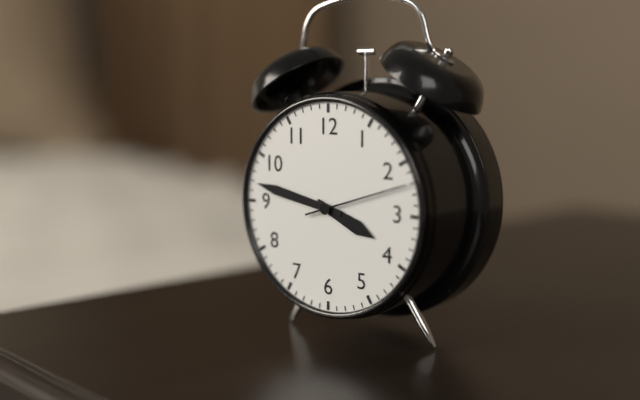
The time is h=3 m=47 s=12
